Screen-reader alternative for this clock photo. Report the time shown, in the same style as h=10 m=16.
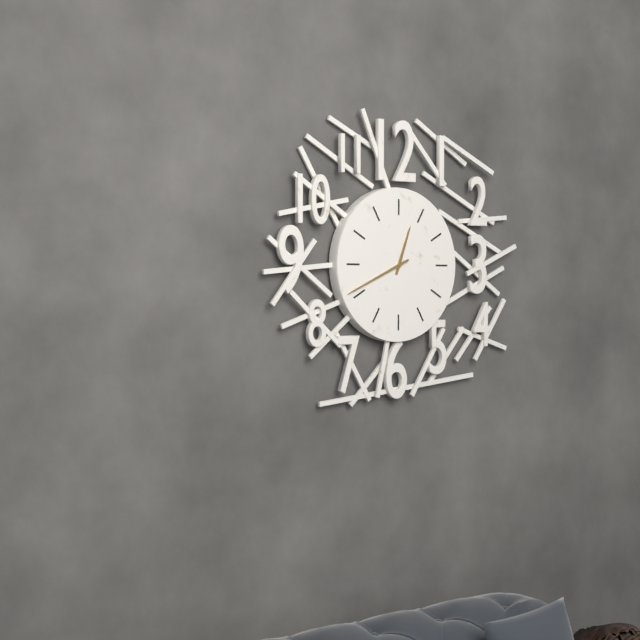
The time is h=12 m=41
